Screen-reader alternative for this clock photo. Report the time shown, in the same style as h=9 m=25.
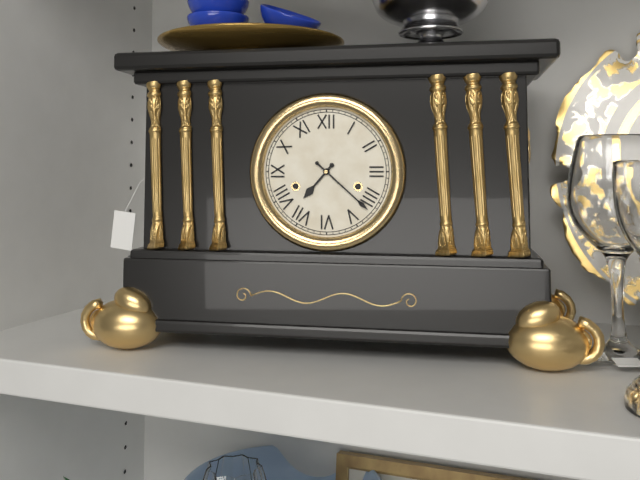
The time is h=7 m=22
